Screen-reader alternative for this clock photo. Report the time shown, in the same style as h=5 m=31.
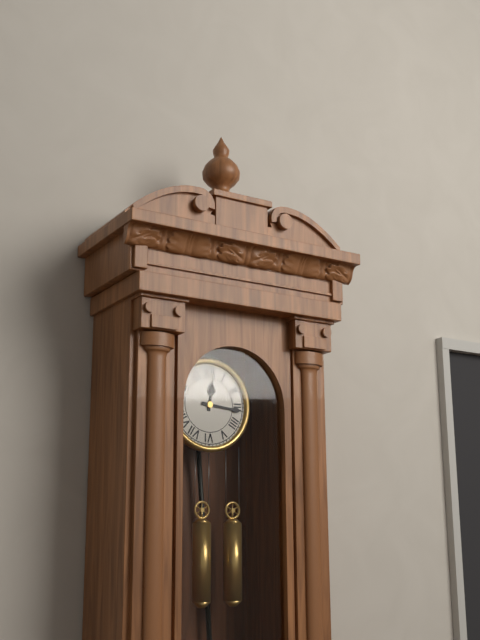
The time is h=12 m=16
